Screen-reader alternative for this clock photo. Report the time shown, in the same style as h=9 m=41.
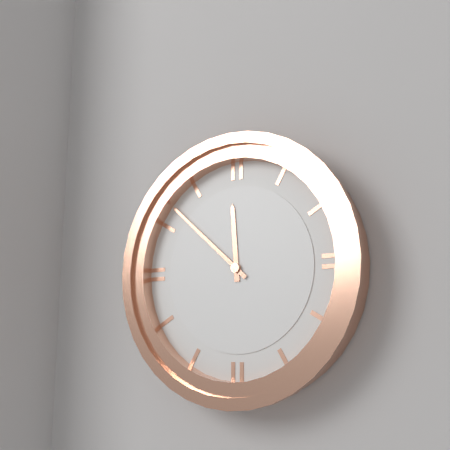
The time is h=11 m=52
